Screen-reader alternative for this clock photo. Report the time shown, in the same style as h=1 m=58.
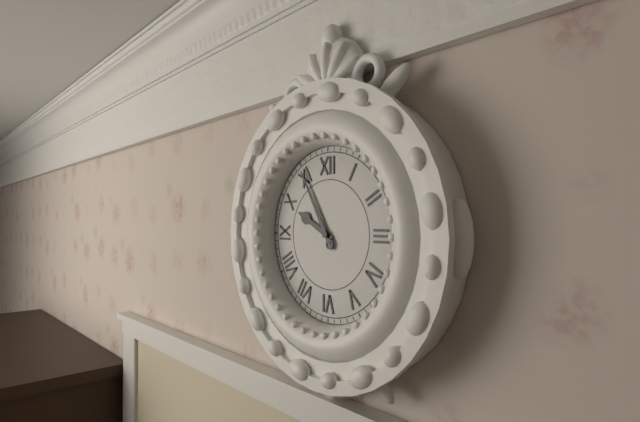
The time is h=9 m=55
